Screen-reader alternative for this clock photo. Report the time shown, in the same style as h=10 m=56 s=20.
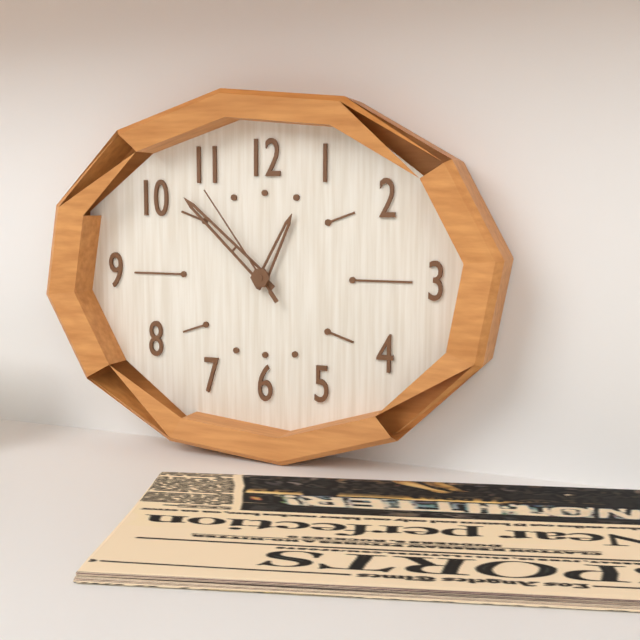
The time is h=12 m=52 s=54
